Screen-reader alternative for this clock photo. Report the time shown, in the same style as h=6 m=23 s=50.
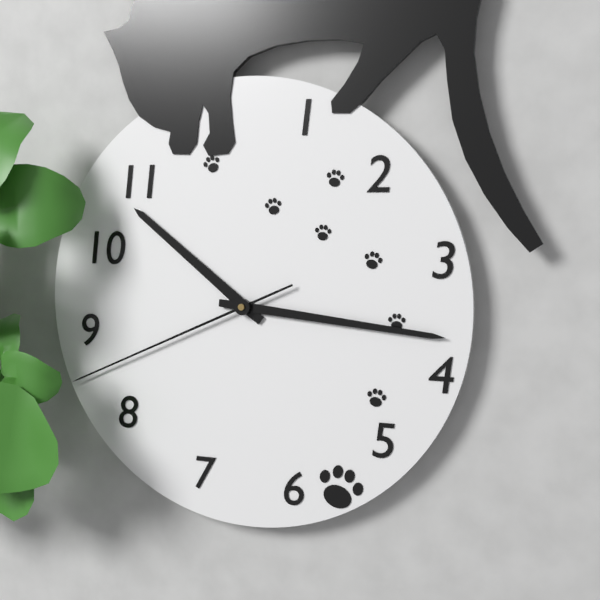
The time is h=10 m=16 s=41
